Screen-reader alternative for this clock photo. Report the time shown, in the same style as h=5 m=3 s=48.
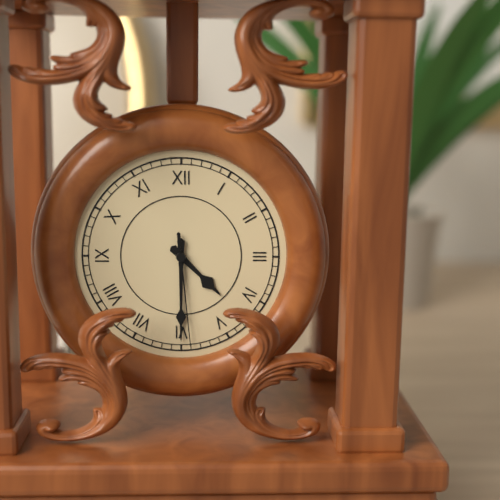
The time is h=4 m=30 s=29
